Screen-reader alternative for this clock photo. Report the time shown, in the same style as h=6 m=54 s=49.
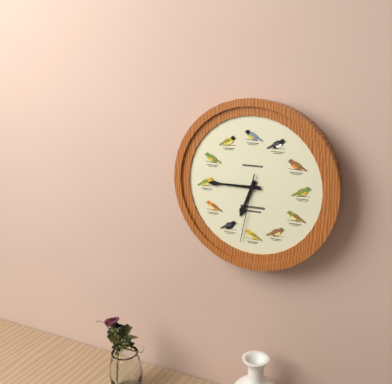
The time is h=6 m=45 s=32
